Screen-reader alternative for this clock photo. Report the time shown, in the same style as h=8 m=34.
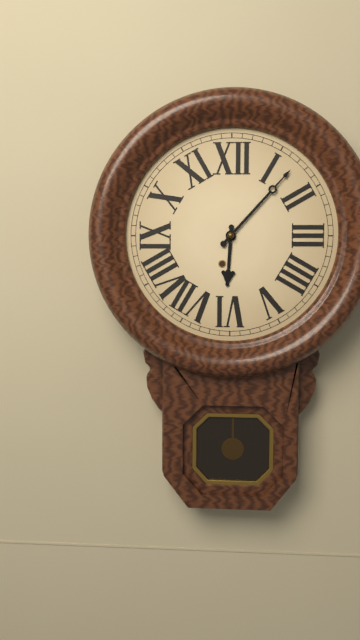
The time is h=6 m=7
